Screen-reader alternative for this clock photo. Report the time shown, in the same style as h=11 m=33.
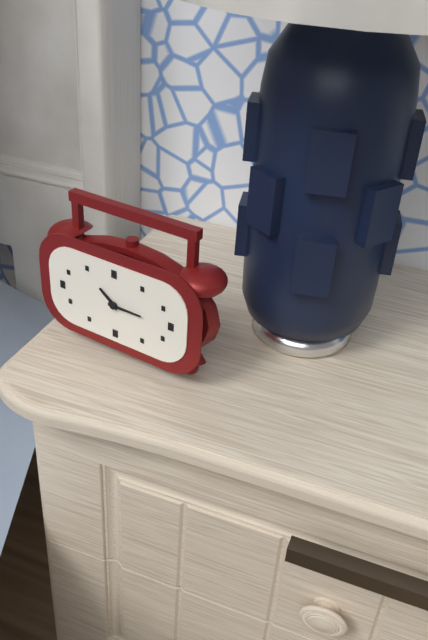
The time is h=10 m=15
